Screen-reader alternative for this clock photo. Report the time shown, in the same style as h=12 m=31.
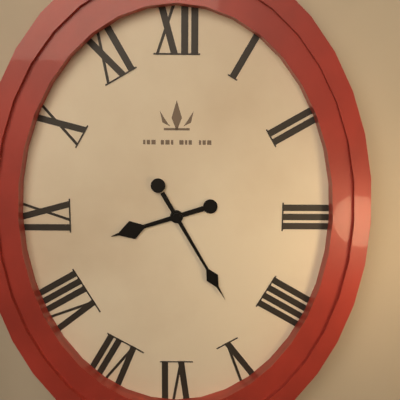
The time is h=8 m=25
